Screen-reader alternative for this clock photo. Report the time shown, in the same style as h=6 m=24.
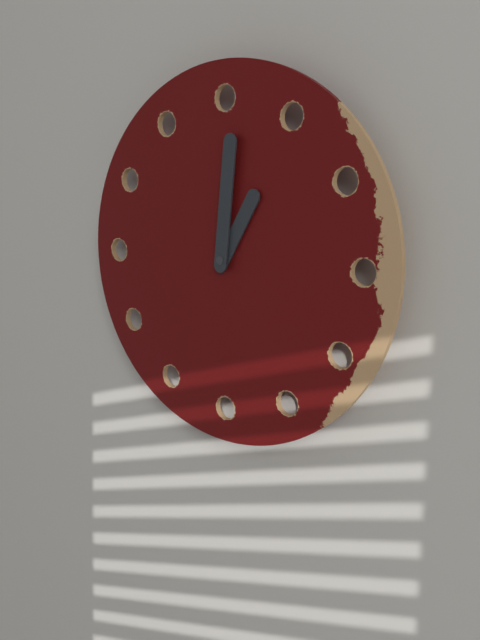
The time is h=1 m=1
